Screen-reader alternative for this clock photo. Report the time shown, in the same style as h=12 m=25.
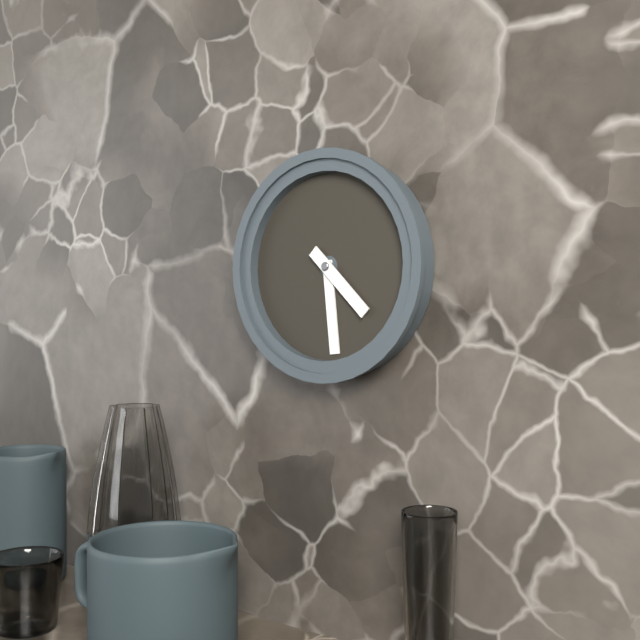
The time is h=4 m=29
